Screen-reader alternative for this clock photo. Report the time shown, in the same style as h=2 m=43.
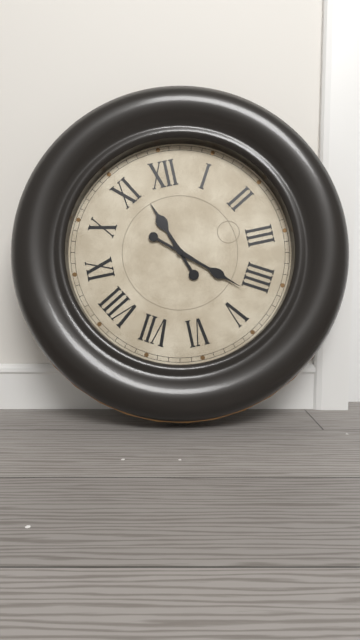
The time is h=11 m=22
